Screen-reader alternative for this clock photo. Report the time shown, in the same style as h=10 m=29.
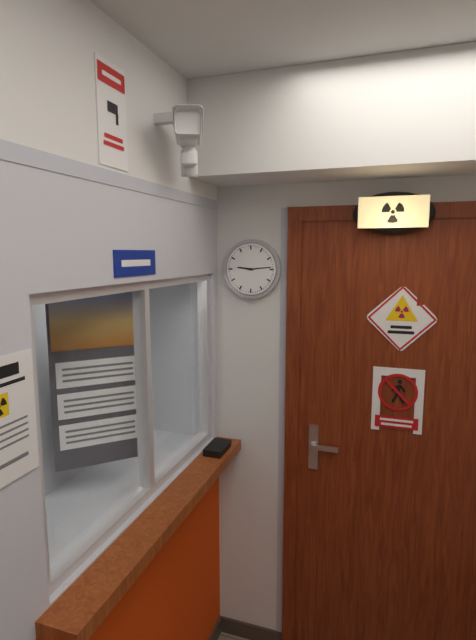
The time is h=9 m=14
